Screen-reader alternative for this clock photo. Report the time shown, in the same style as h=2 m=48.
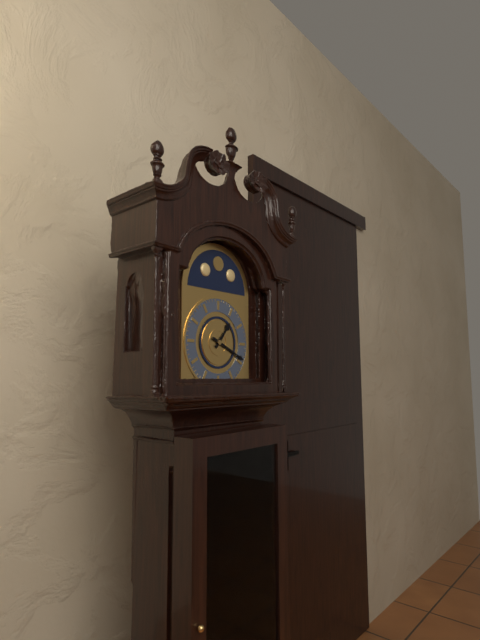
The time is h=1 m=19
